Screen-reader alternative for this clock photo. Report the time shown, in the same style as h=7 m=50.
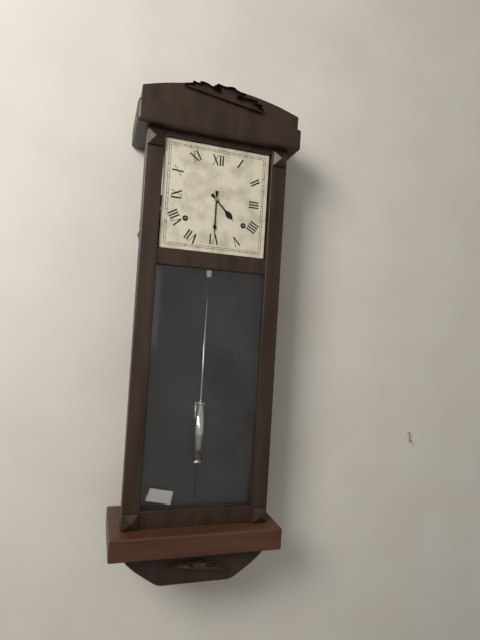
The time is h=4 m=30
